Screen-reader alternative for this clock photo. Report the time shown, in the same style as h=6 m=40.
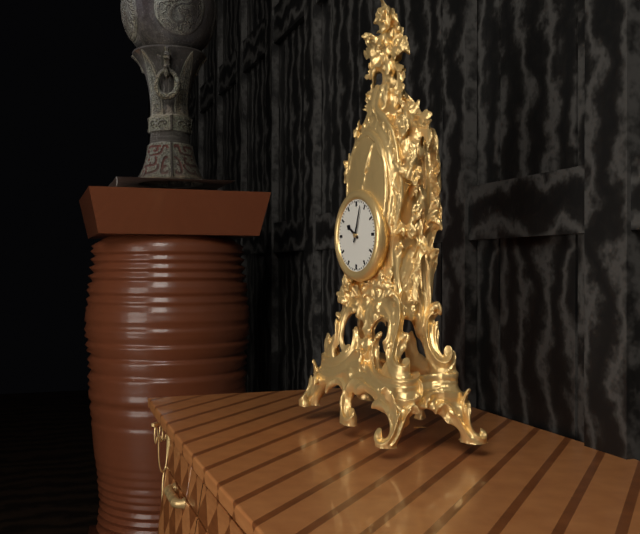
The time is h=10 m=3
